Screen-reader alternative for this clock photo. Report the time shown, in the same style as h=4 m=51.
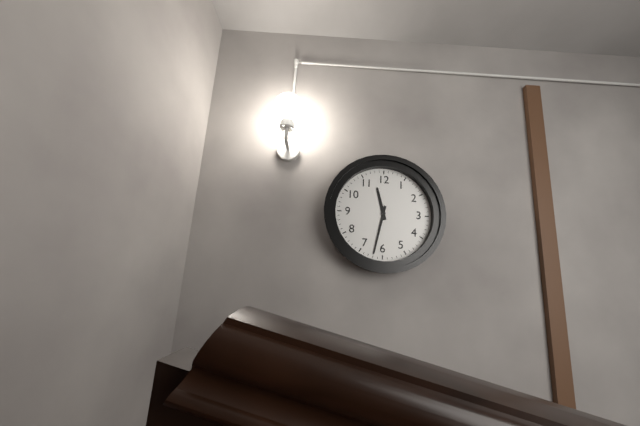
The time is h=11 m=32
